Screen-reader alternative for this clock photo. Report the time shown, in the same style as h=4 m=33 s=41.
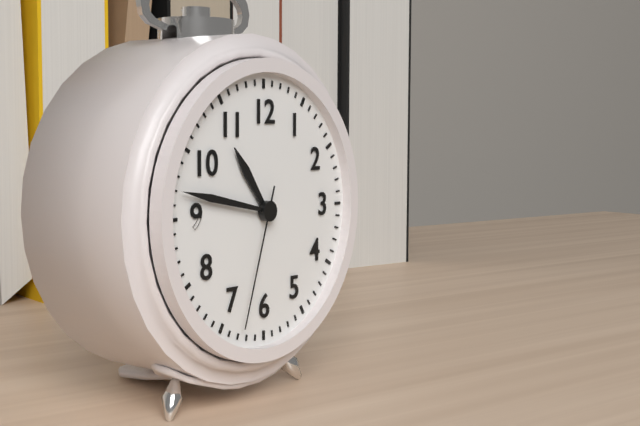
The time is h=10 m=47 s=33
